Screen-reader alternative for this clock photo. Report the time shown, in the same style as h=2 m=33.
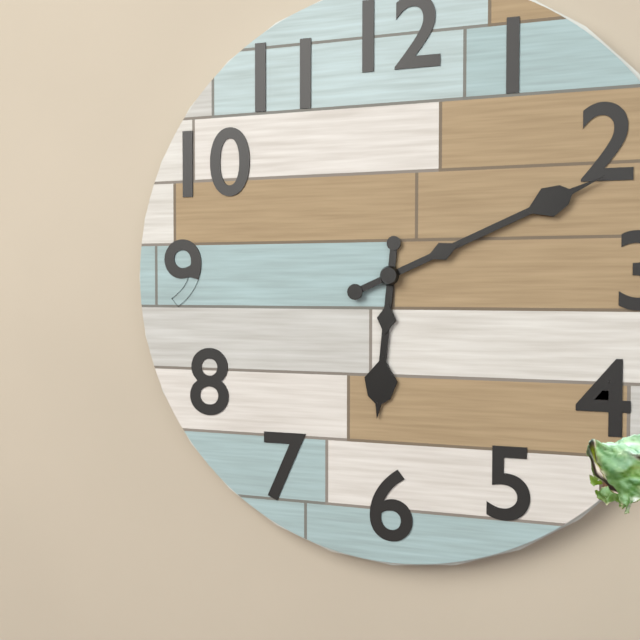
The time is h=6 m=11
